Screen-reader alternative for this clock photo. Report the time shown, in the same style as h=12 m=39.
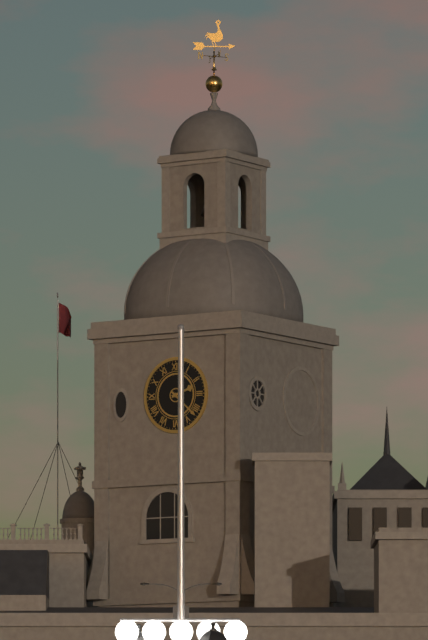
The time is h=2 m=22
